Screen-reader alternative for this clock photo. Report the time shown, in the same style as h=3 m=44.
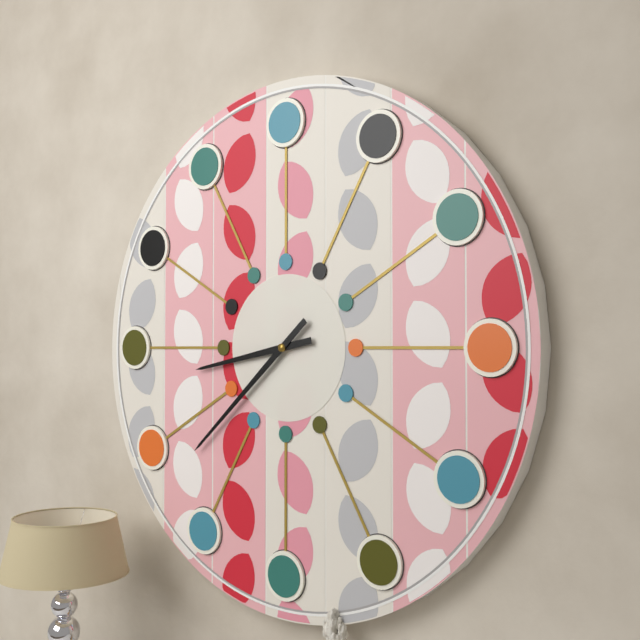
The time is h=8 m=38
